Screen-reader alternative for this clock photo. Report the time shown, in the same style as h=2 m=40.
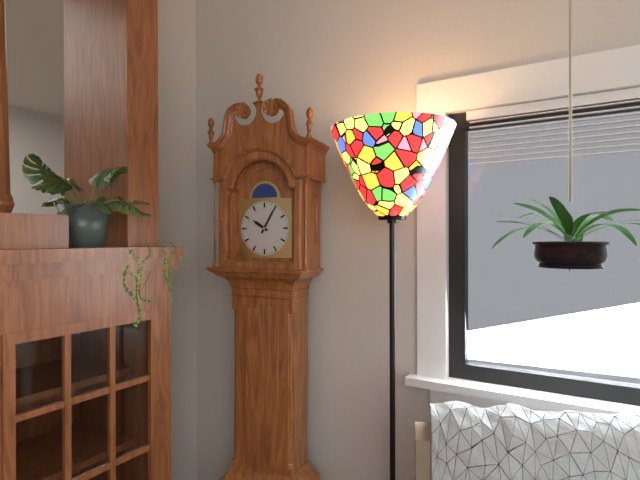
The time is h=10 m=5
